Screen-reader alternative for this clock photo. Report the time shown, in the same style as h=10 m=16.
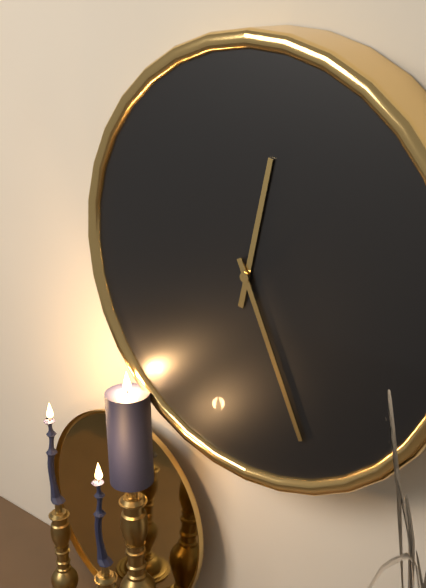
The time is h=12 m=26
